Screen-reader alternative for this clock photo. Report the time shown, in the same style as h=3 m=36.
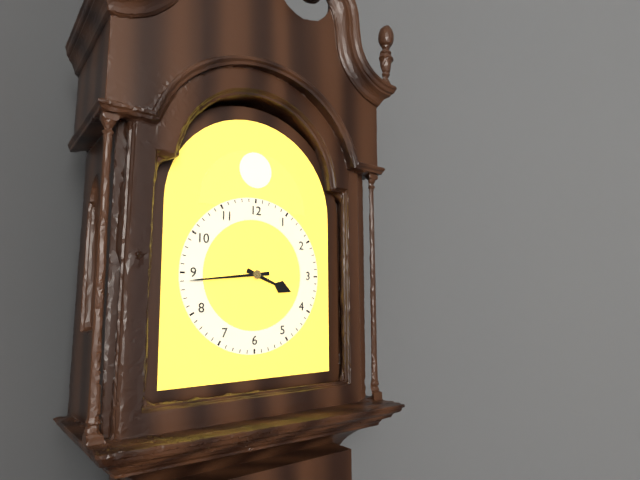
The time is h=3 m=44
